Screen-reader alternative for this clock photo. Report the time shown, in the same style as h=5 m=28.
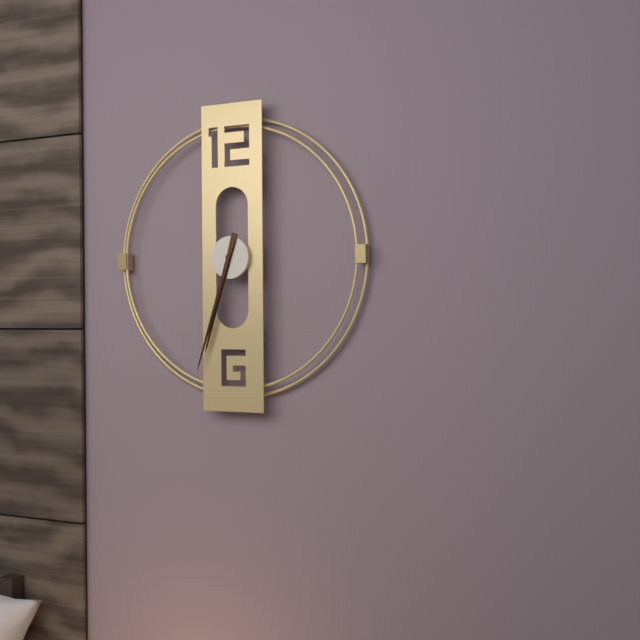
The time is h=6 m=33
